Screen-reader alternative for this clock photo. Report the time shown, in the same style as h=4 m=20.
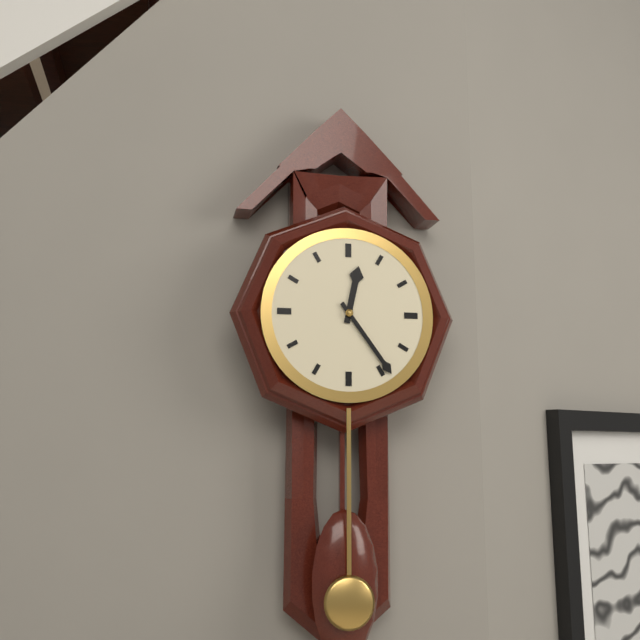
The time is h=12 m=24
